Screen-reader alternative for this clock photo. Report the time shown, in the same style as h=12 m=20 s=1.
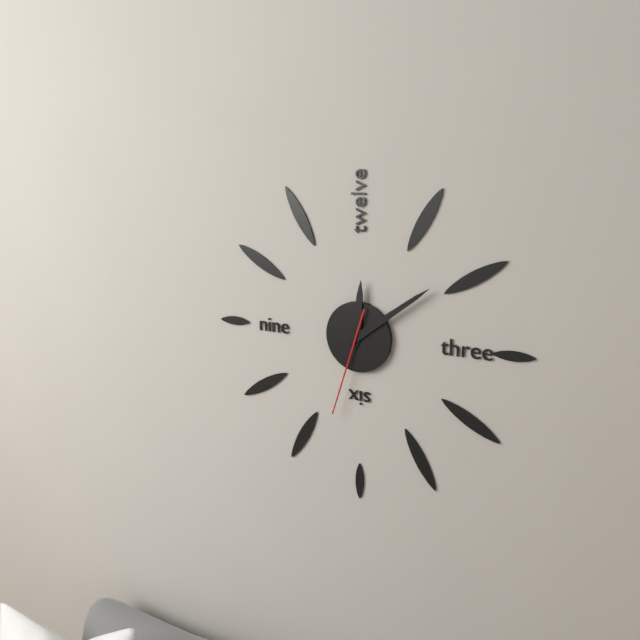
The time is h=12 m=9 s=33
